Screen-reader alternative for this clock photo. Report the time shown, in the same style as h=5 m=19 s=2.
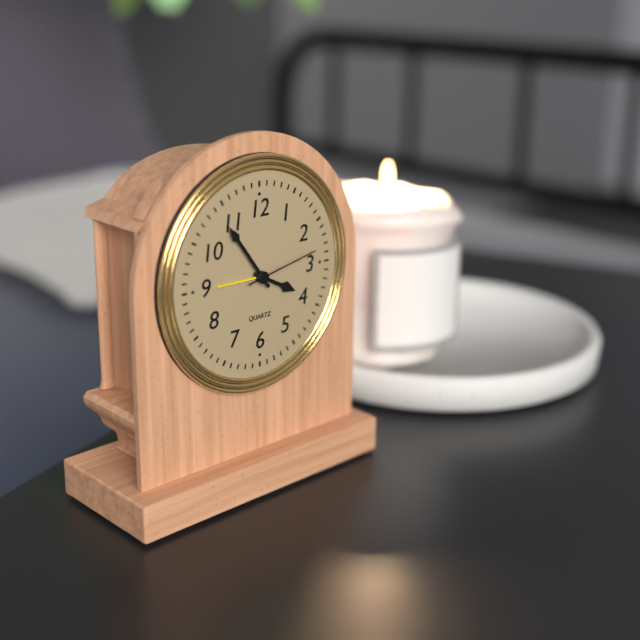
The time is h=3 m=54 s=13
